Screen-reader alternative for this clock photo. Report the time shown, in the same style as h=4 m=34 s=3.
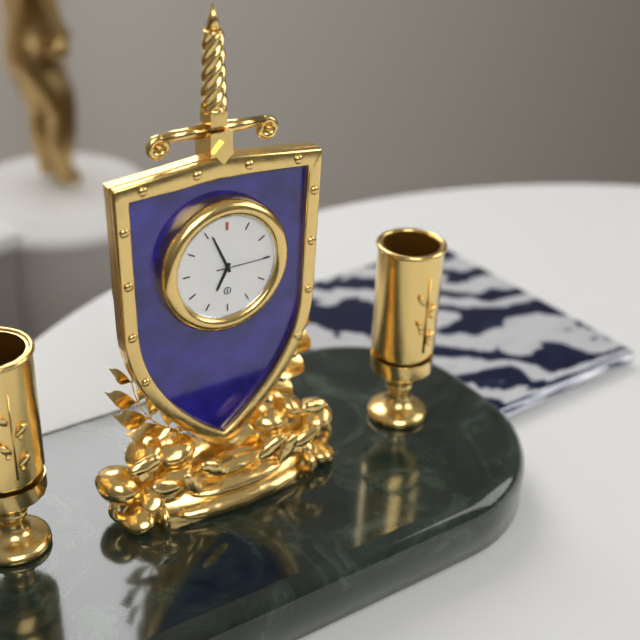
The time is h=6 m=56 s=15
